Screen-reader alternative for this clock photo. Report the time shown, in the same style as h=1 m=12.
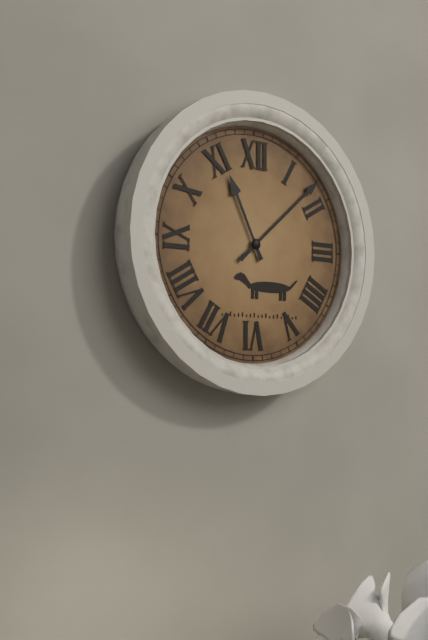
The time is h=11 m=8
